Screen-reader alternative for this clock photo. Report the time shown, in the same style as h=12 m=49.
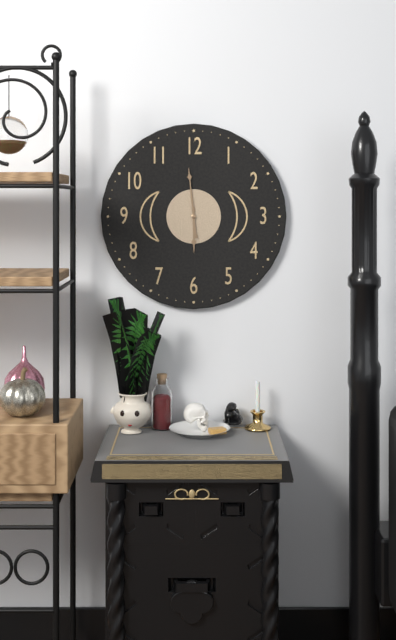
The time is h=5 m=59
